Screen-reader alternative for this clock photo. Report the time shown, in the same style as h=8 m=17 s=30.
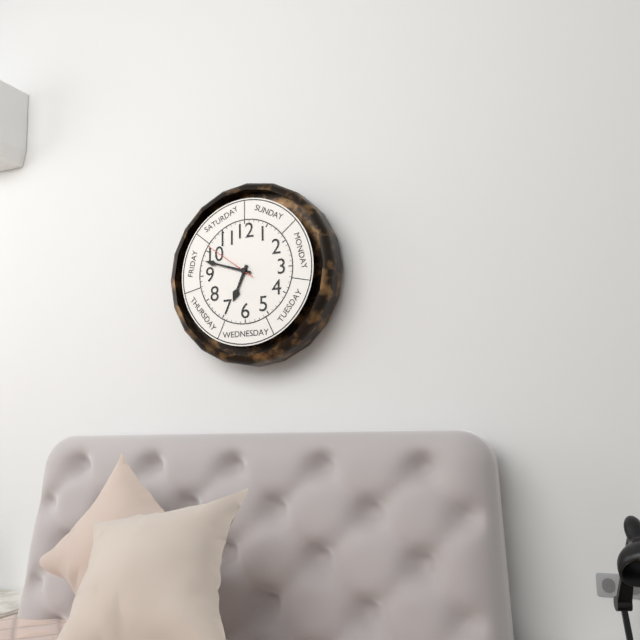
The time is h=6 m=48 s=51
